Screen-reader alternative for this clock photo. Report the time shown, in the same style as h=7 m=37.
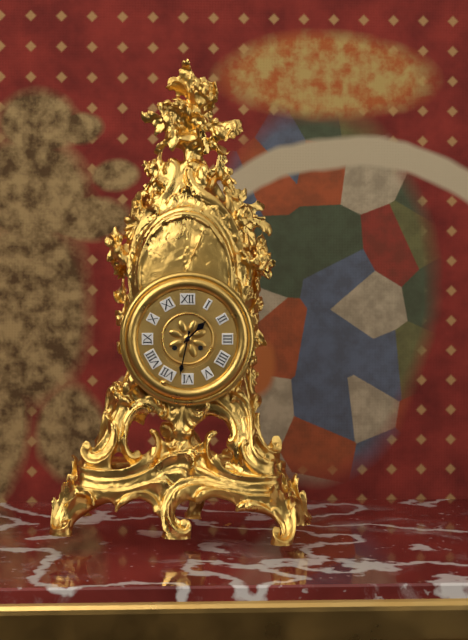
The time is h=1 m=32
